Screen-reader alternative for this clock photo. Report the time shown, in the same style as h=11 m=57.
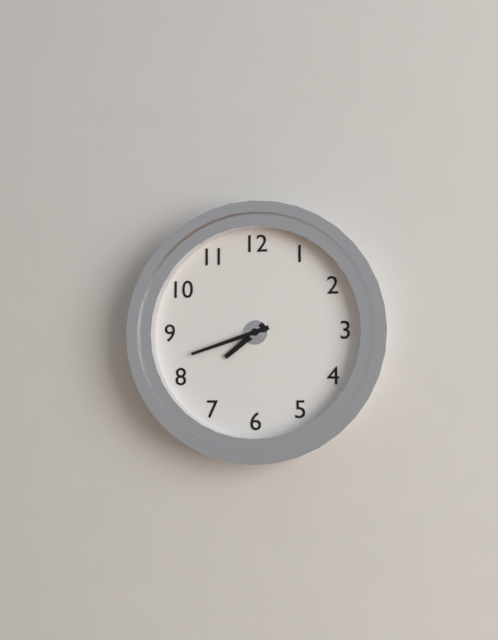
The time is h=7 m=42
